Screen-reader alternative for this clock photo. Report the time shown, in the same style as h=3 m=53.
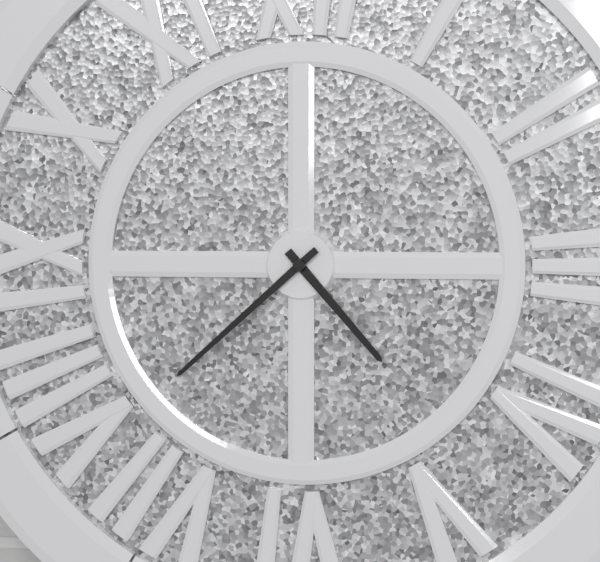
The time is h=4 m=38
